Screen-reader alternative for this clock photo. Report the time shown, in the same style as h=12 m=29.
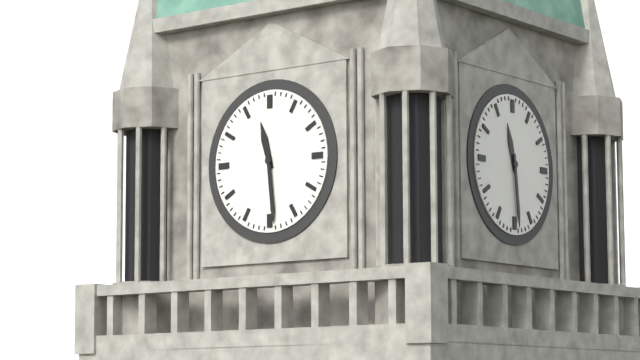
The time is h=11 m=29
